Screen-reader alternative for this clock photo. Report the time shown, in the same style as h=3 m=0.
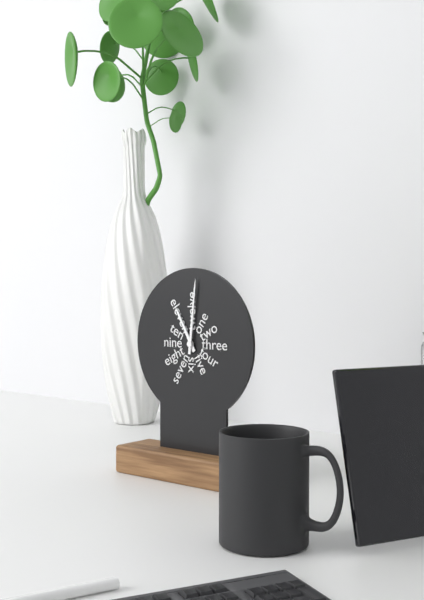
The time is h=11 m=1
